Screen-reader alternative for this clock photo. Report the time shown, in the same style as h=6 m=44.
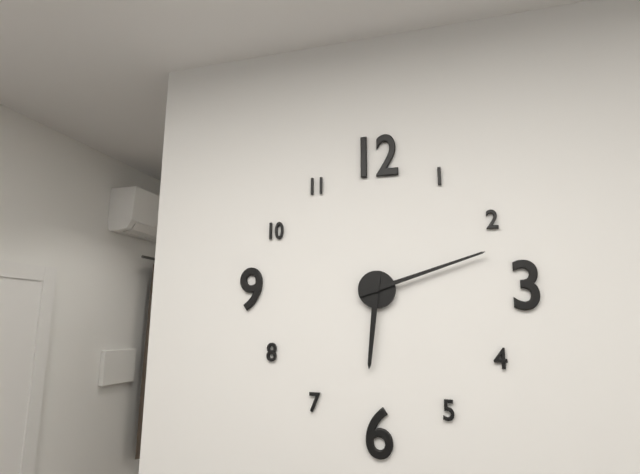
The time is h=6 m=12
